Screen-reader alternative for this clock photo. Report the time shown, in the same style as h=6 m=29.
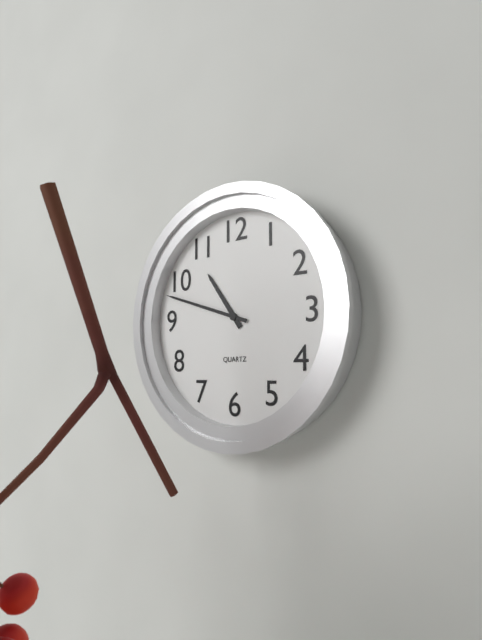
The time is h=10 m=48
